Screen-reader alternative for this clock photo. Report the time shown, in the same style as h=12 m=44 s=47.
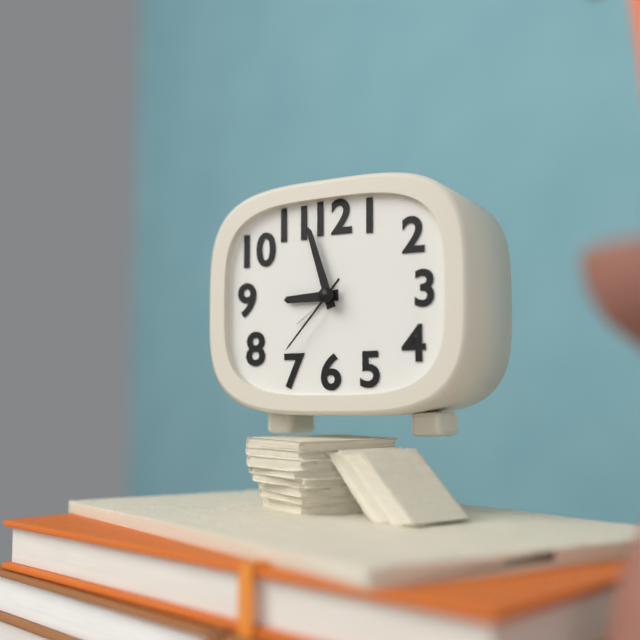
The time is h=8 m=57 s=37
